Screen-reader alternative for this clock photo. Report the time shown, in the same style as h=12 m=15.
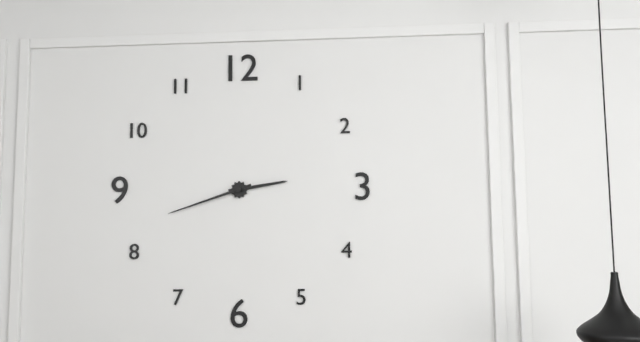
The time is h=2 m=42
